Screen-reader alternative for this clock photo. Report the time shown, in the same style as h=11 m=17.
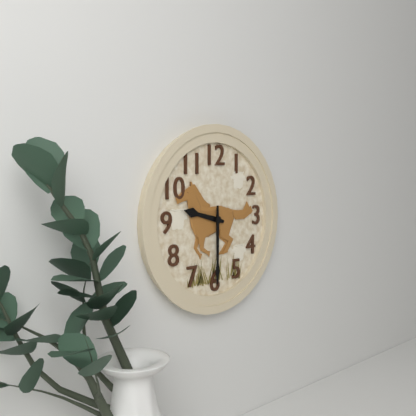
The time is h=9 m=30
